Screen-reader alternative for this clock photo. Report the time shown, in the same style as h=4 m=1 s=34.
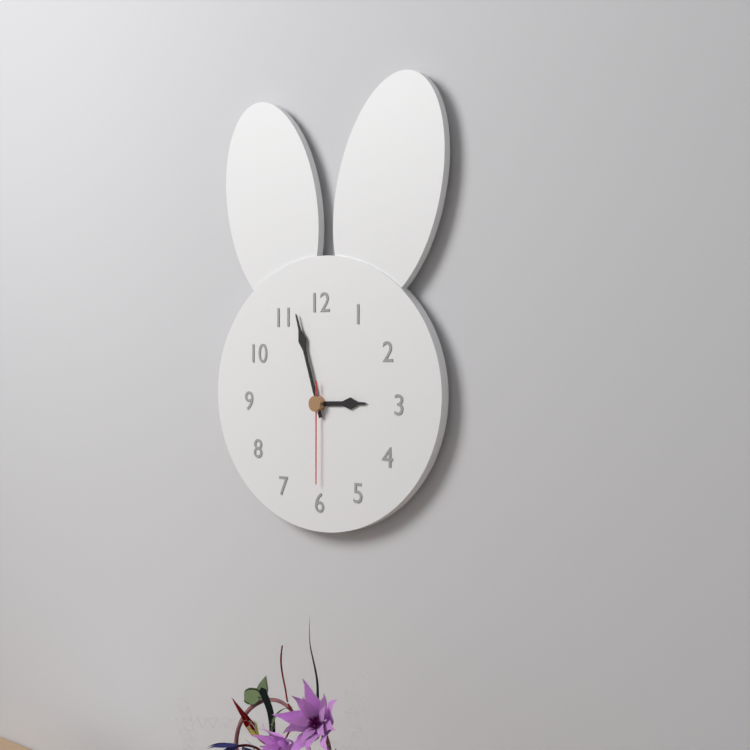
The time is h=2 m=57 s=30
